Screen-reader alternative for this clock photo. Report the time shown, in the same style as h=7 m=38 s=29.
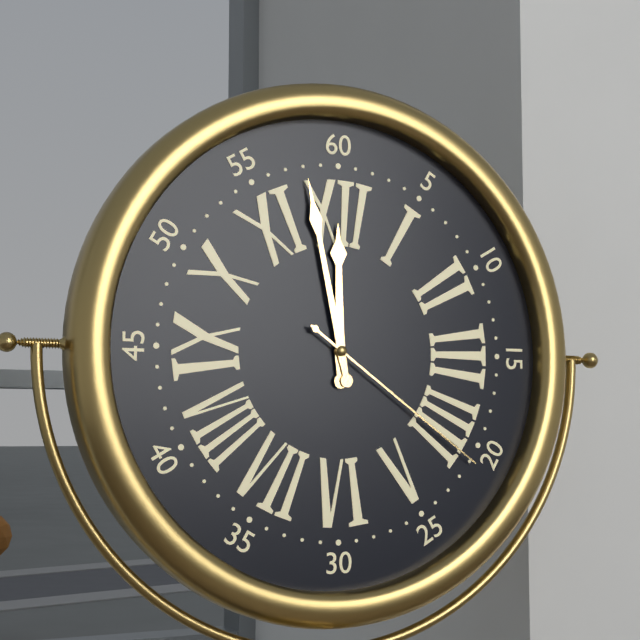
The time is h=11 m=58 s=21
